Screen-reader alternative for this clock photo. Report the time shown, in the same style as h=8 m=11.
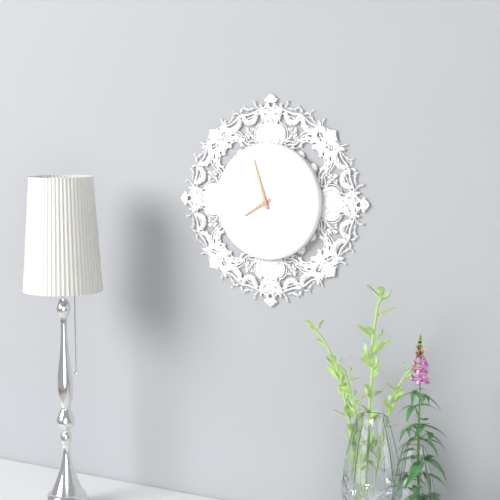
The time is h=7 m=57
